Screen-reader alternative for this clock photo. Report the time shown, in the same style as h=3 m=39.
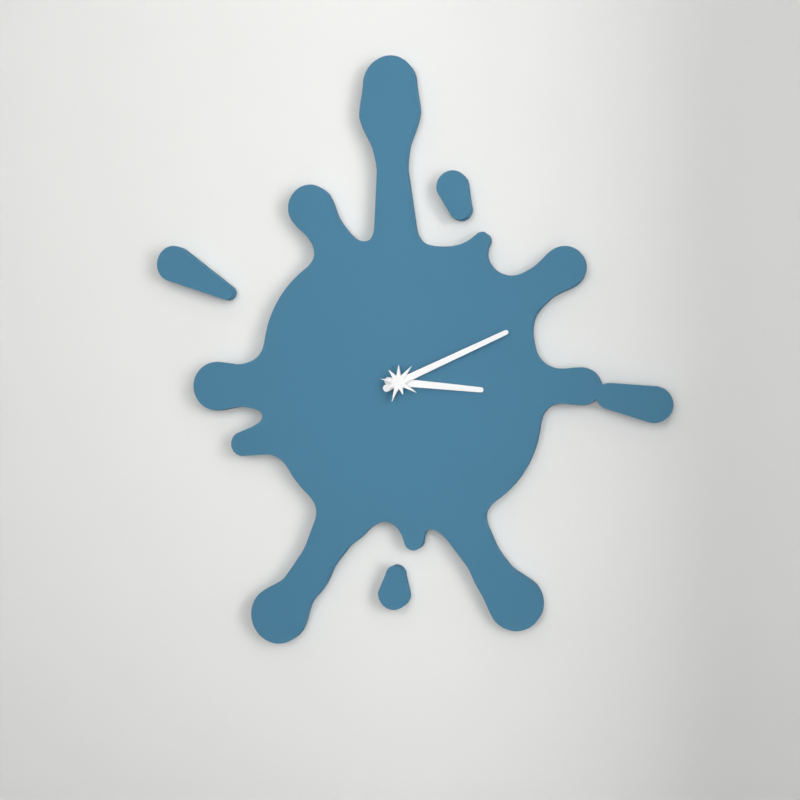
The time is h=3 m=11
